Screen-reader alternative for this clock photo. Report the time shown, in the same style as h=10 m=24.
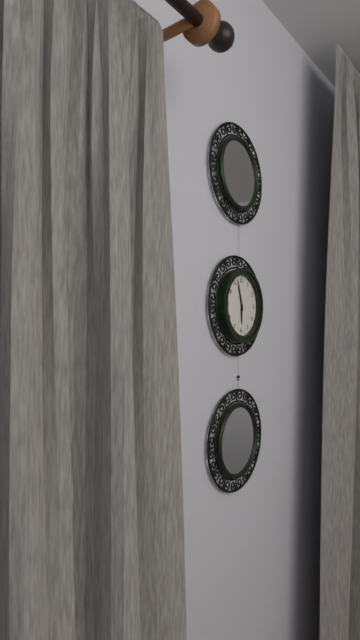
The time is h=5 m=57
